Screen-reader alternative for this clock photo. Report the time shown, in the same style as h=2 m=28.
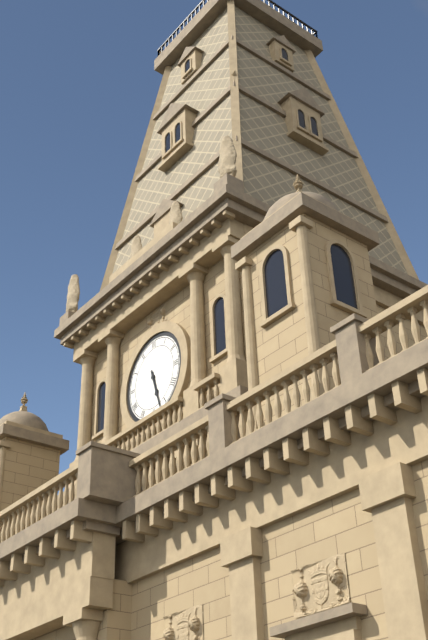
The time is h=5 m=27
